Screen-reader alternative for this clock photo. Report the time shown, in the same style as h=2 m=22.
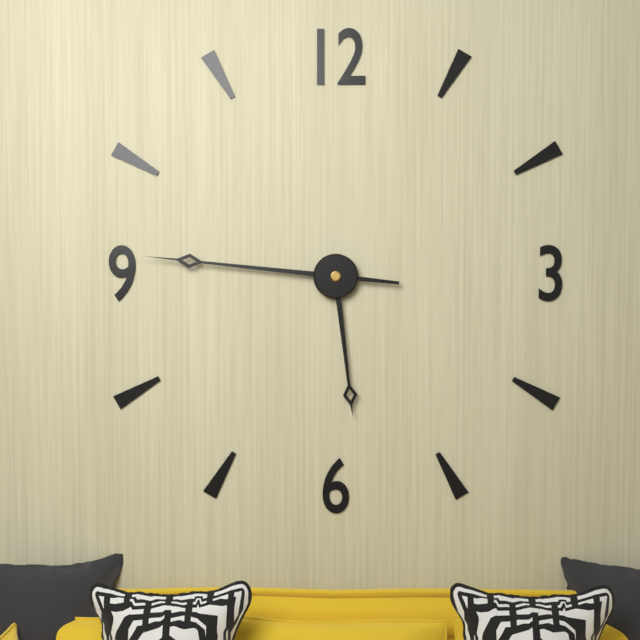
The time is h=5 m=46
